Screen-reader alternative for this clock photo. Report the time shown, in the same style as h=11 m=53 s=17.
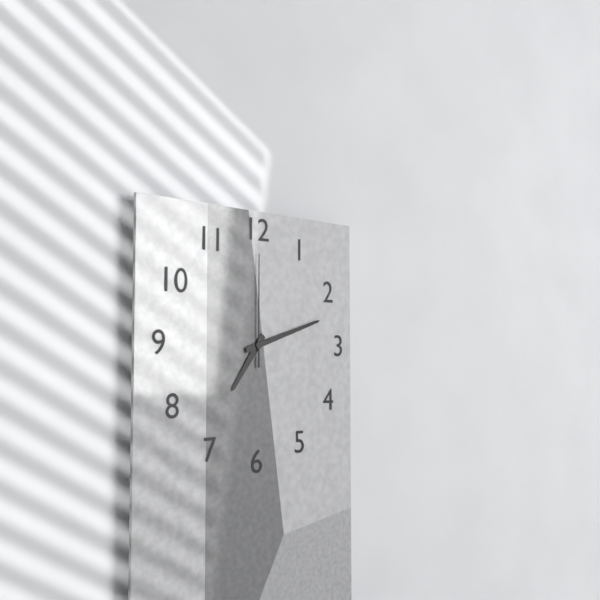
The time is h=7 m=12 s=0
